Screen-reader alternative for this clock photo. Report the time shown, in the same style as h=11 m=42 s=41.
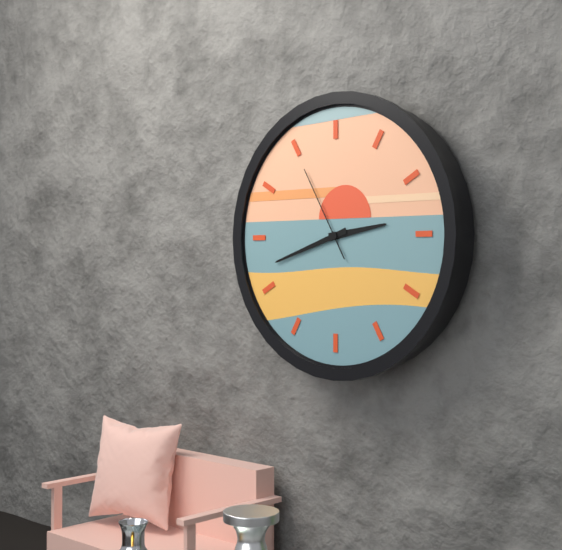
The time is h=2 m=42 s=55
